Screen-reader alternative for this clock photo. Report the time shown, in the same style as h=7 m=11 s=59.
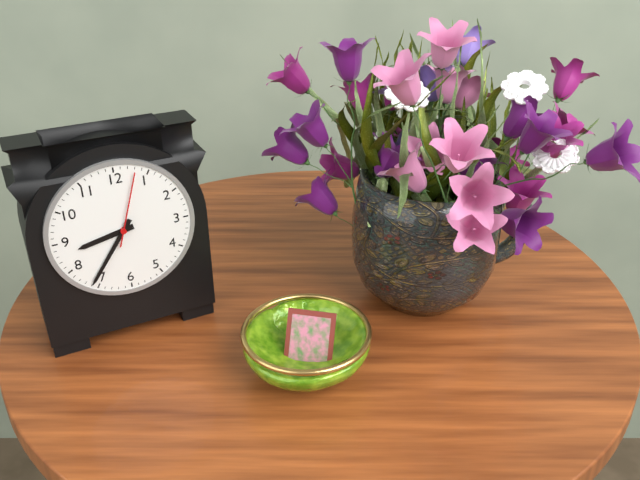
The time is h=8 m=36 s=3
